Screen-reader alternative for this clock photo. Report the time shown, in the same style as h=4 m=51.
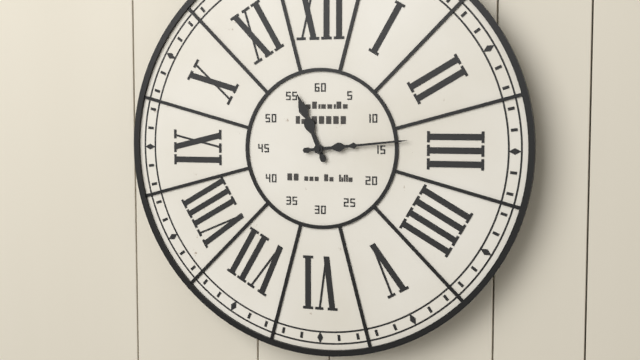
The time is h=11 m=14
